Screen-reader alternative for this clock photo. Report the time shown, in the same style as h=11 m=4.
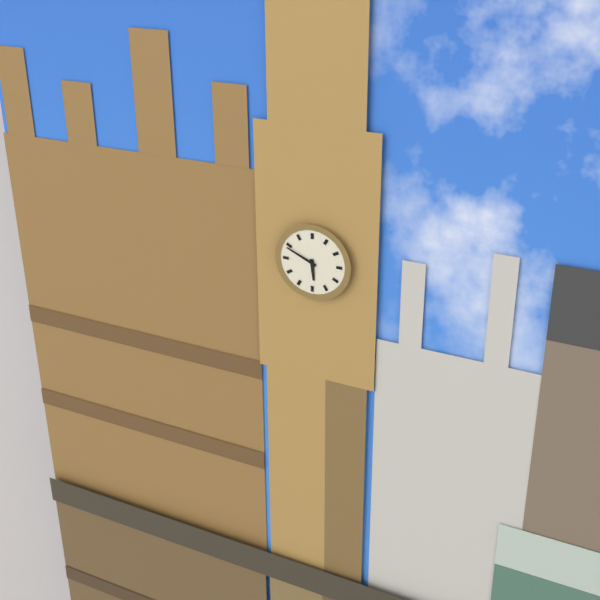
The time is h=5 m=49
